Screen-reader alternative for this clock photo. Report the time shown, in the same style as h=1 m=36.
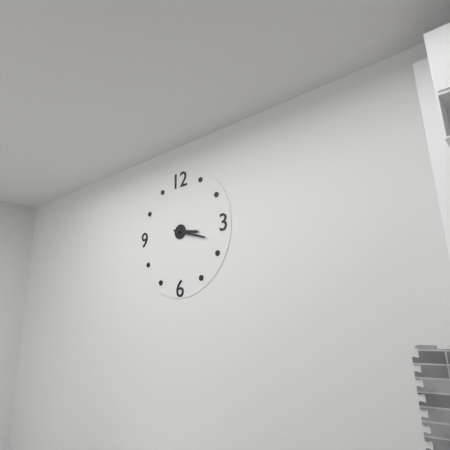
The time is h=3 m=18
